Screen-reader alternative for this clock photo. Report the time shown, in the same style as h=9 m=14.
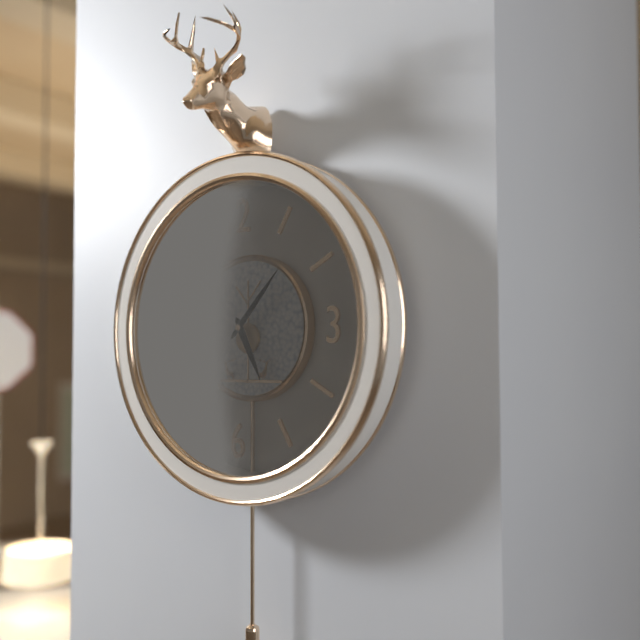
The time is h=5 m=7
